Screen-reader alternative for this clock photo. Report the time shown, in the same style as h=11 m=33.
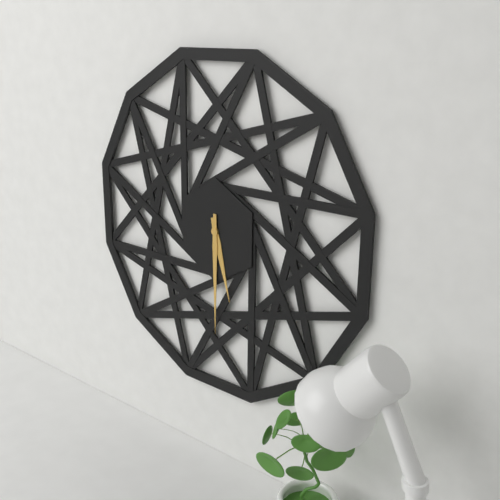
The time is h=5 m=30
